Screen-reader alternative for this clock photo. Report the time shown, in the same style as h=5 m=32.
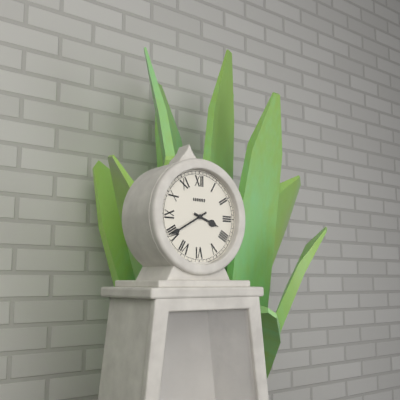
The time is h=3 m=40
